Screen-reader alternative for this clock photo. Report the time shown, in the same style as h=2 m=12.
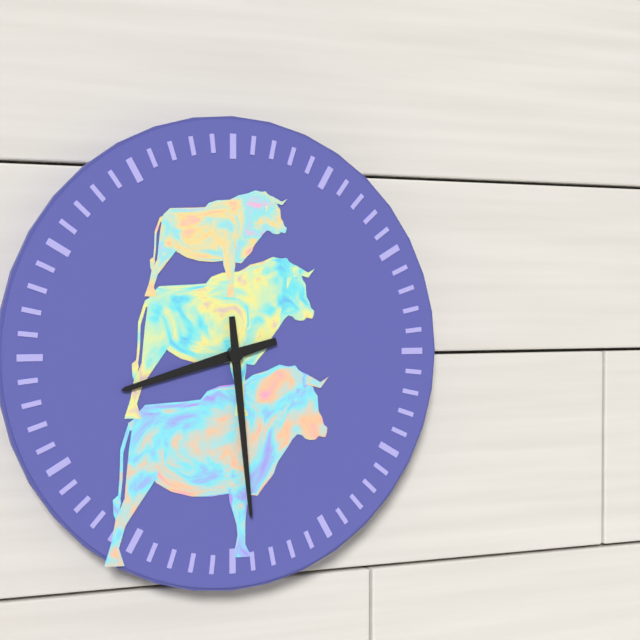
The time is h=8 m=29
